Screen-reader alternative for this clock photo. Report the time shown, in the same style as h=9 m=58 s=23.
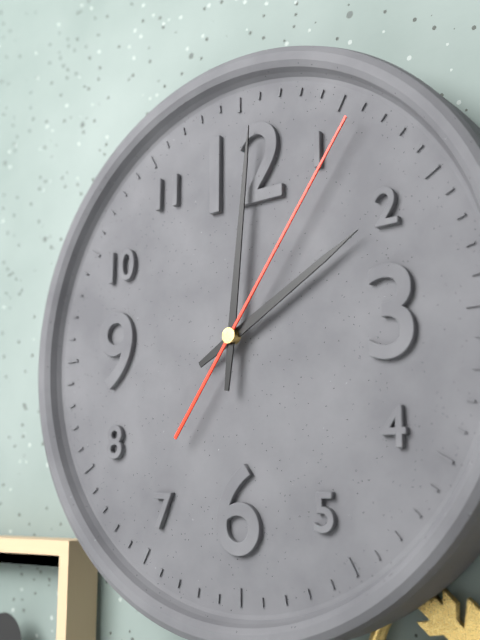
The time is h=2 m=1 s=6
